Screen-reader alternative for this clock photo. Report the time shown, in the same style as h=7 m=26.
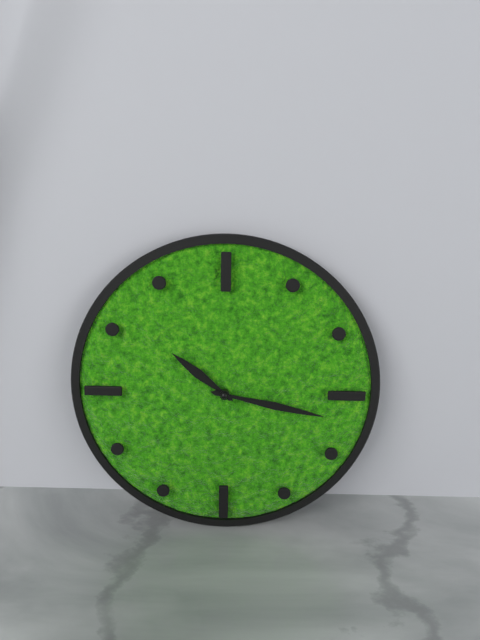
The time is h=10 m=17
